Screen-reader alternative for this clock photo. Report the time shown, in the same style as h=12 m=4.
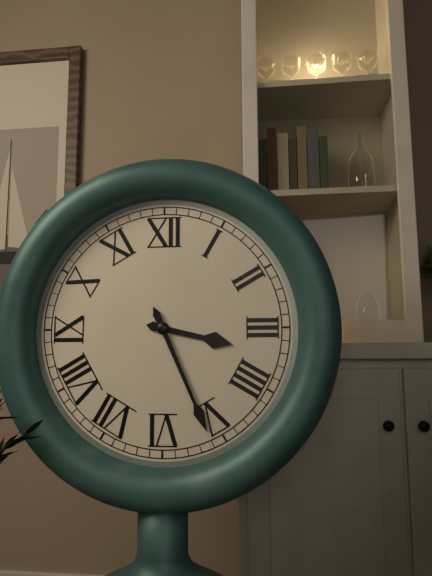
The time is h=3 m=26
